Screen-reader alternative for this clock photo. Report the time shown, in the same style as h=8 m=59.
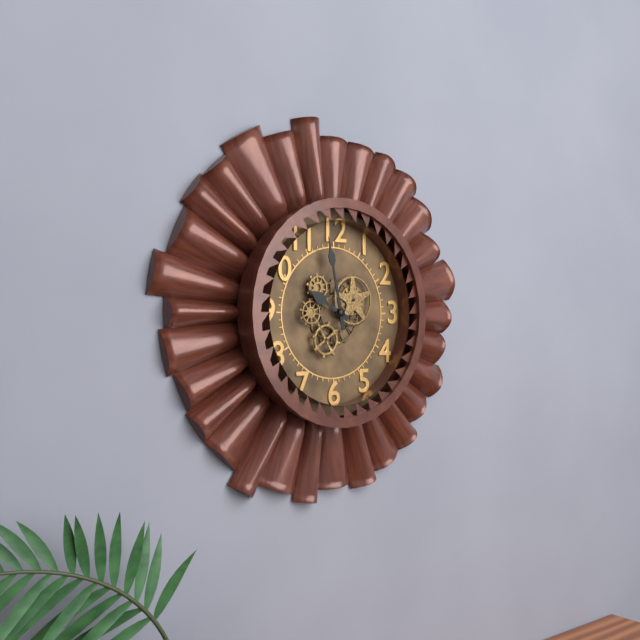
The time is h=9 m=58
